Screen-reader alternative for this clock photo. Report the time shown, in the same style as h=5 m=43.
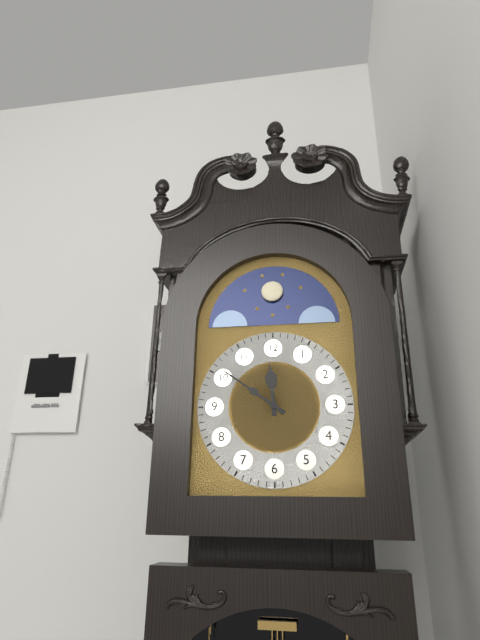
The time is h=11 m=51
